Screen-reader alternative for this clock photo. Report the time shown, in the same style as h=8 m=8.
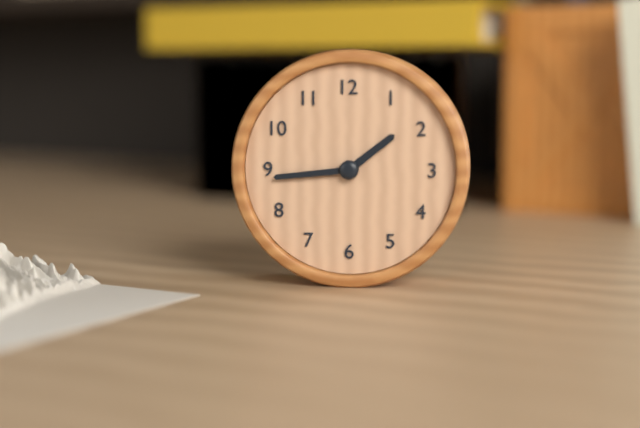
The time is h=1 m=44
